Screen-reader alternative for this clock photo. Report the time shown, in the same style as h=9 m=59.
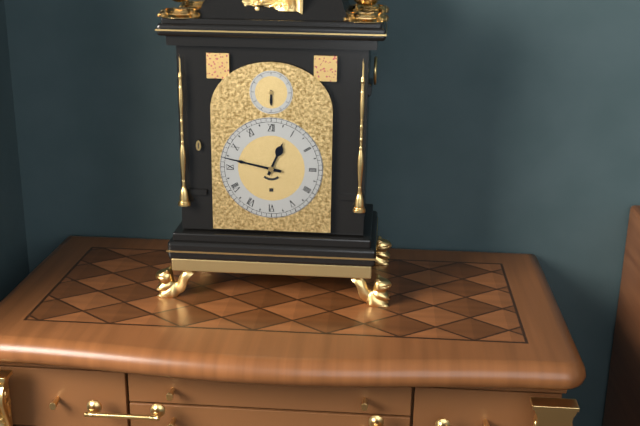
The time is h=12 m=47
